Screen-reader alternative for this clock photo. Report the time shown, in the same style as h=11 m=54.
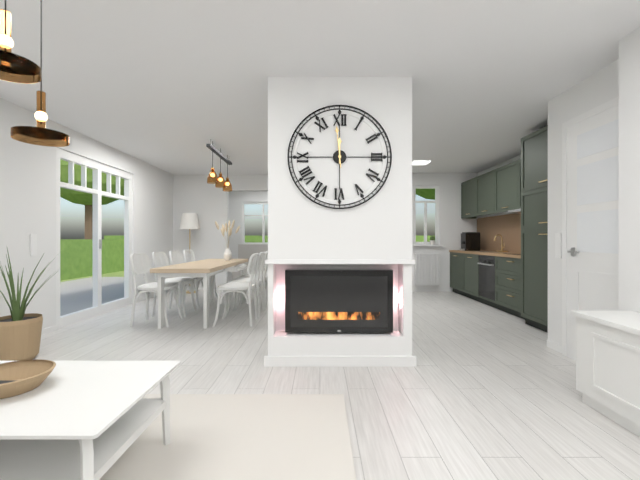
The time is h=11 m=59
